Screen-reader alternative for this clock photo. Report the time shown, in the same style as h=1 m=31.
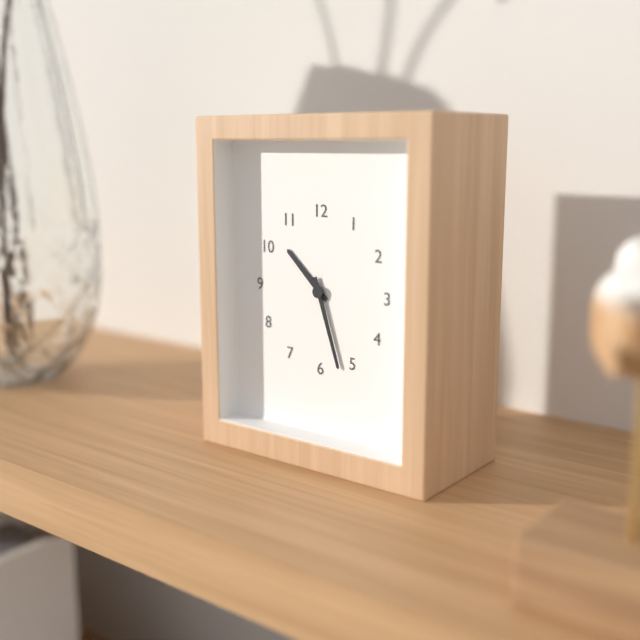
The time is h=10 m=27
